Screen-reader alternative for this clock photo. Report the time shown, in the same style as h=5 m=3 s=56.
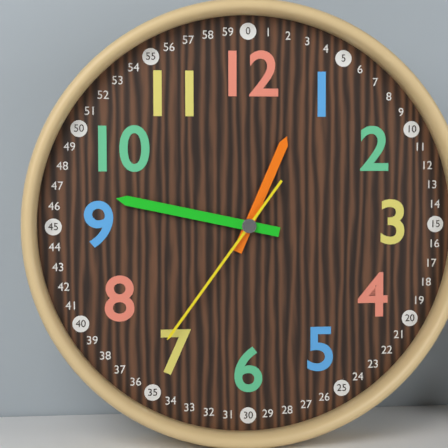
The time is h=12 m=47 s=36
